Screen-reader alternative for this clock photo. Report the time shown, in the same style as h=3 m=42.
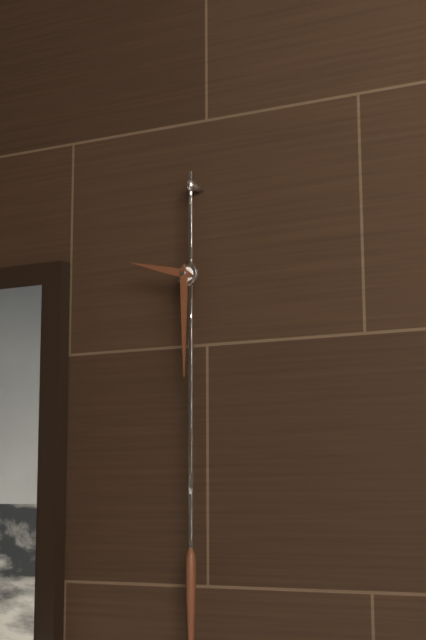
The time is h=9 m=30
